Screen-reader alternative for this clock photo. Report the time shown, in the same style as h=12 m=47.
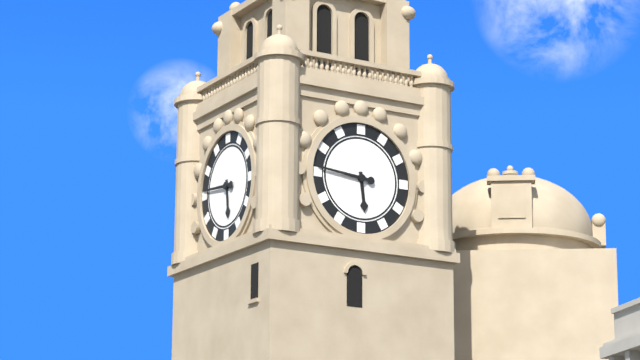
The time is h=5 m=46
